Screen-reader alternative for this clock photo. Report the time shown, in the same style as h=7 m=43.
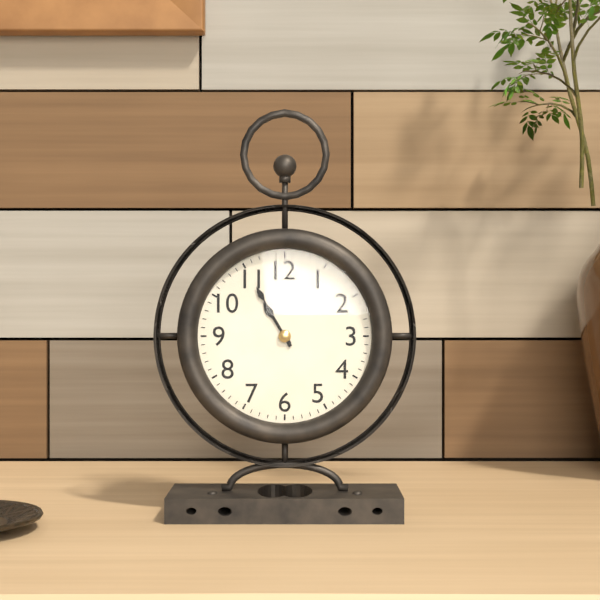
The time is h=10 m=55
